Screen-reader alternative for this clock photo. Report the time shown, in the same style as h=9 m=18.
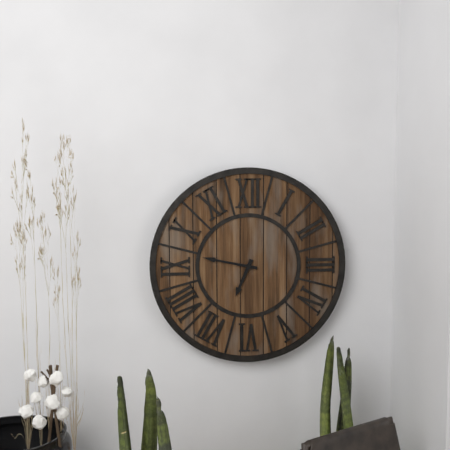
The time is h=6 m=47
